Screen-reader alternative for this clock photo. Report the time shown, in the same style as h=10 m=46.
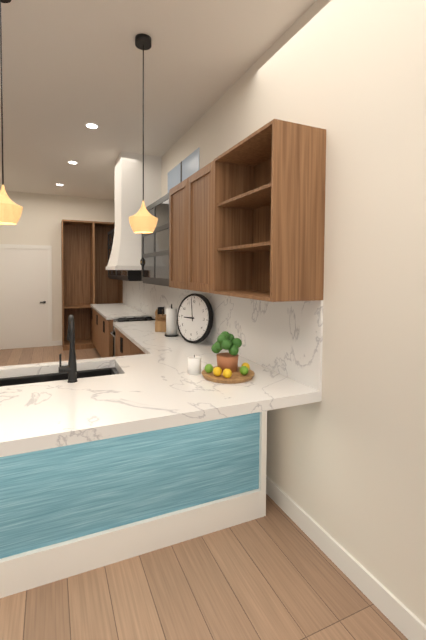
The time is h=8 m=58
